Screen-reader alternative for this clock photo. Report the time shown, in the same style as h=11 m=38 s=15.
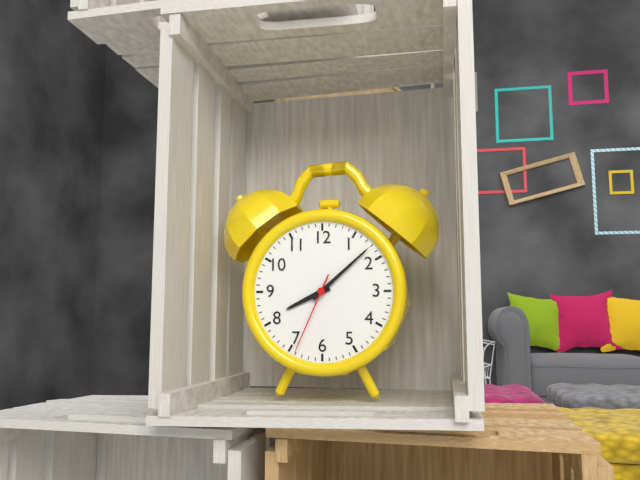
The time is h=8 m=8 s=34
